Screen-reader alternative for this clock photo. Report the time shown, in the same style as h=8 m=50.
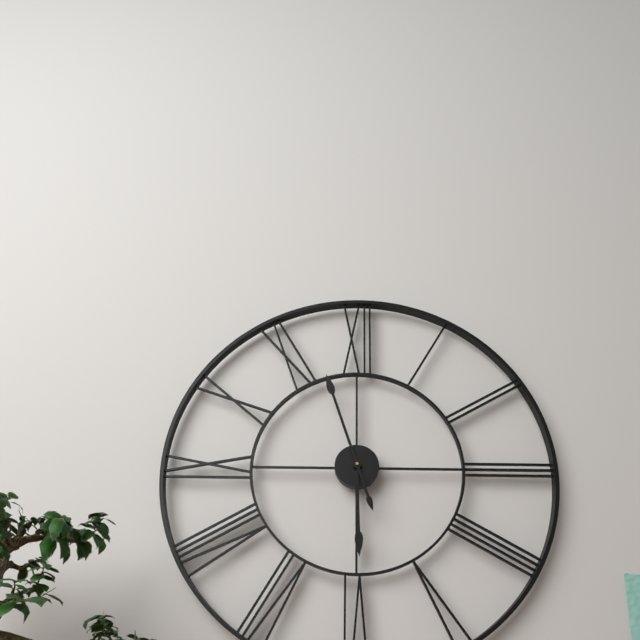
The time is h=5 m=57
